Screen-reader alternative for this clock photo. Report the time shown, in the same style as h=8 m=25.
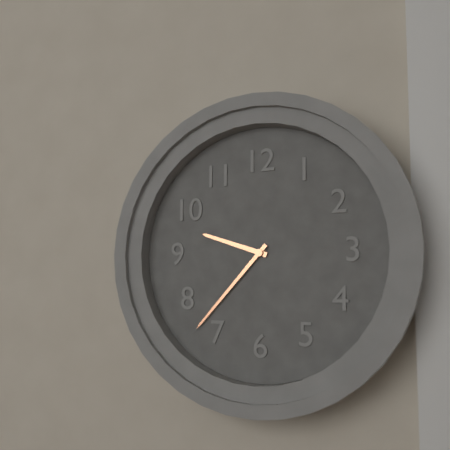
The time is h=9 m=37
